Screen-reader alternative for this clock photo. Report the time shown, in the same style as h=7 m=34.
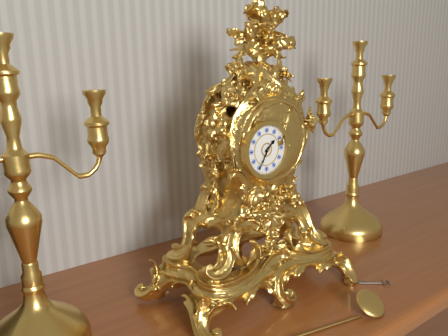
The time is h=1 m=35
